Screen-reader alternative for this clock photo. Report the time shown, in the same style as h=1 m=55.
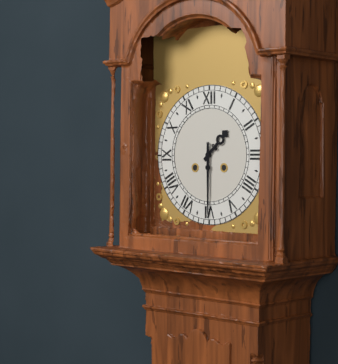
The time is h=1 m=30
